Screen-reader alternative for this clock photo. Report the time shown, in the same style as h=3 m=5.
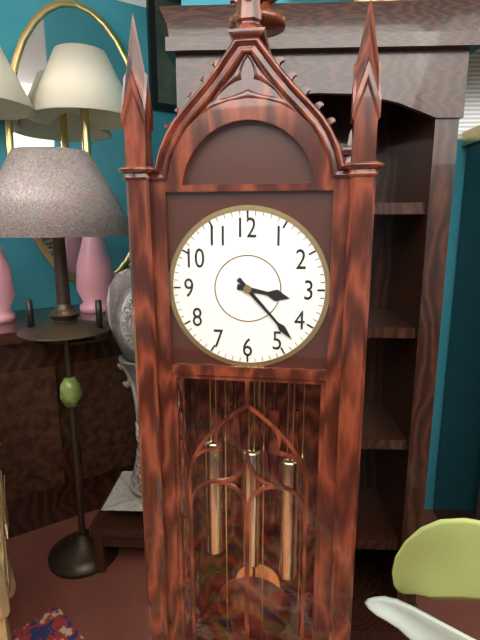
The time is h=3 m=23
